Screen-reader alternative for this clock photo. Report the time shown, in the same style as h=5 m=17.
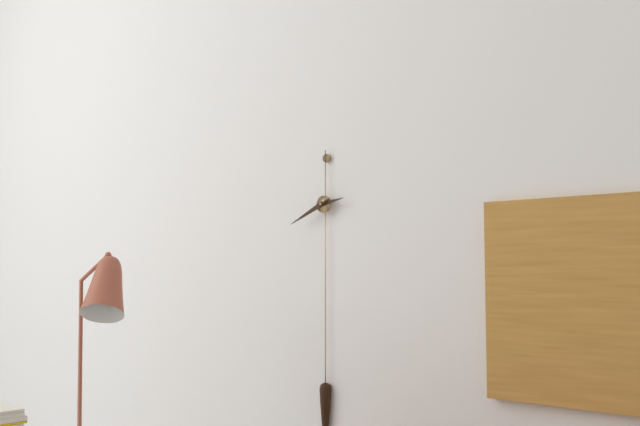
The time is h=2 m=41
